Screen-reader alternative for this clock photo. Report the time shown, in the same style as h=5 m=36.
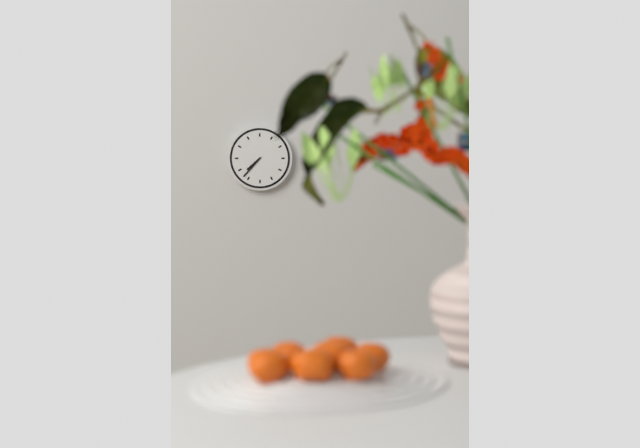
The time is h=7 m=37
